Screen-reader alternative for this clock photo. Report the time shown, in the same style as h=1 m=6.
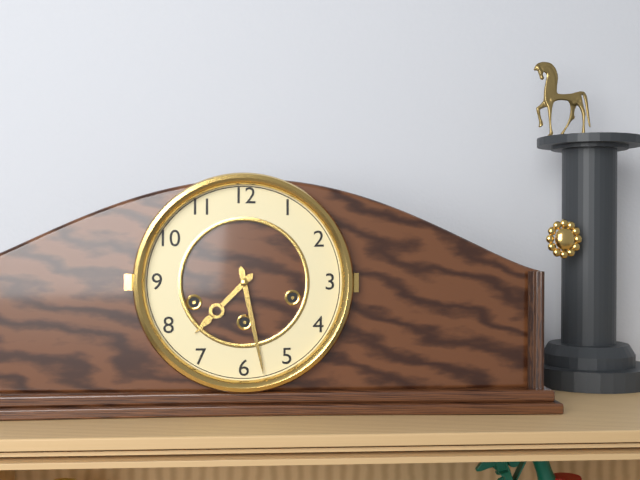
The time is h=7 m=28
